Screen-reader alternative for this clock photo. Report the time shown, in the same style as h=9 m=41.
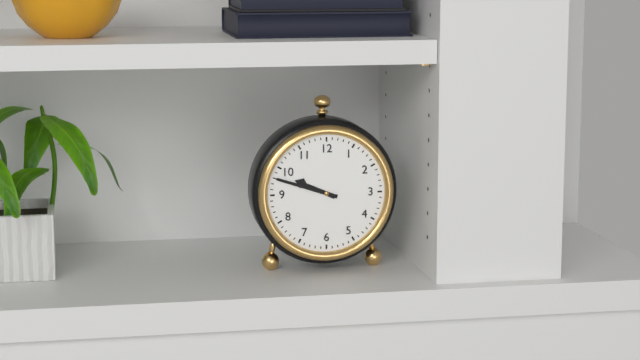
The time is h=9 m=48
